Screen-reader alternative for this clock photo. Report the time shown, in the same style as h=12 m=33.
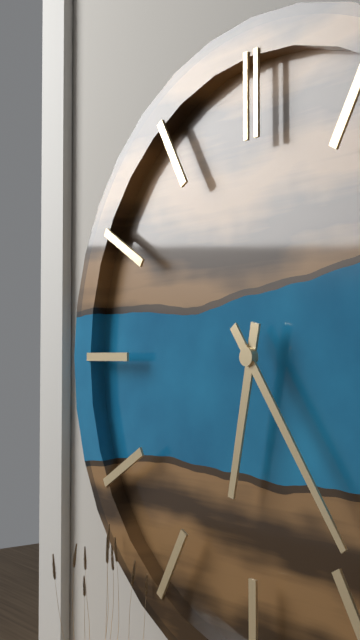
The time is h=6 m=24
